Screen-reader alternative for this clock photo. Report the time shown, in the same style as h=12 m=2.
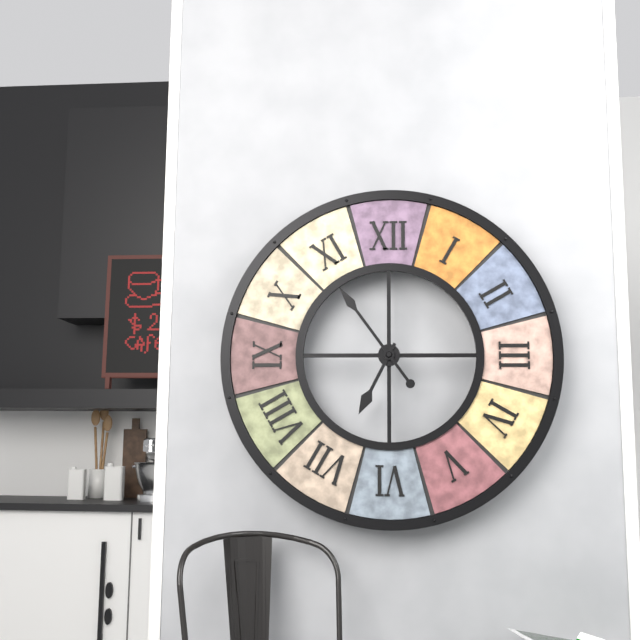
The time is h=6 m=54
